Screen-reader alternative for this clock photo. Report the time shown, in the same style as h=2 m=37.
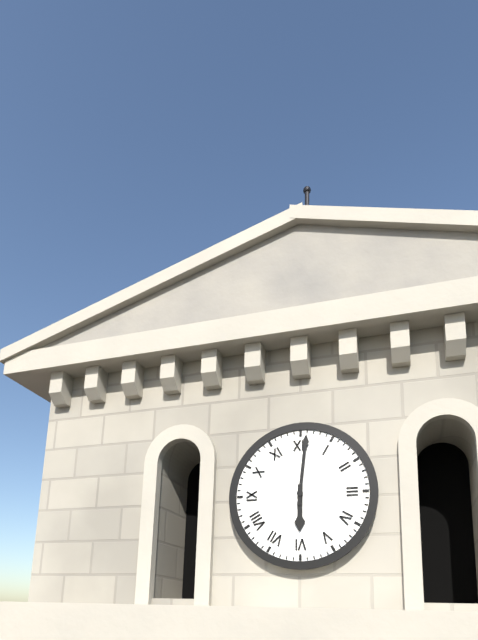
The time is h=6 m=1
